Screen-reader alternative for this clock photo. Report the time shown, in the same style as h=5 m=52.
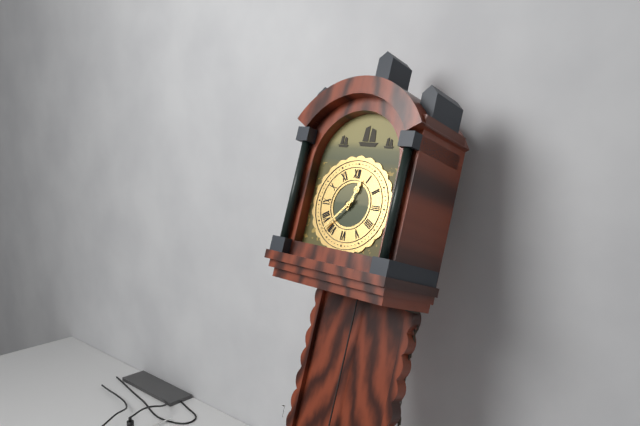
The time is h=12 m=37
